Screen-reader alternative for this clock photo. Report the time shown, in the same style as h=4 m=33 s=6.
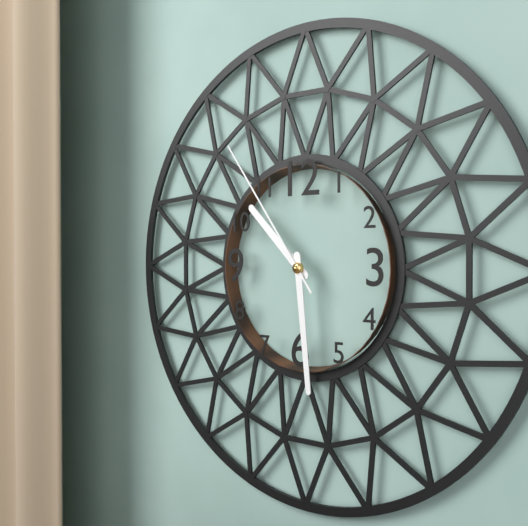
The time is h=10 m=29 s=54
